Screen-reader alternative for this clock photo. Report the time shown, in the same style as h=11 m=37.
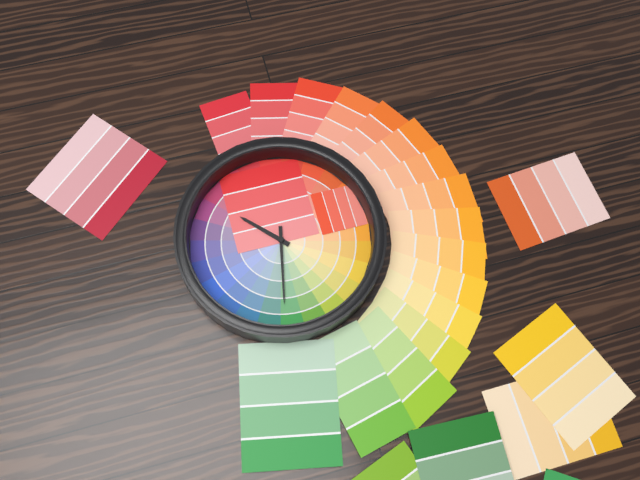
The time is h=10 m=32
